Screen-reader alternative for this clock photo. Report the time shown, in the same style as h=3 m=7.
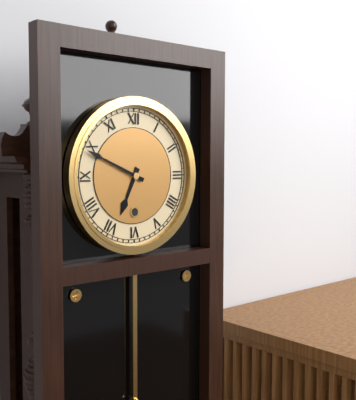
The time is h=6 m=49
